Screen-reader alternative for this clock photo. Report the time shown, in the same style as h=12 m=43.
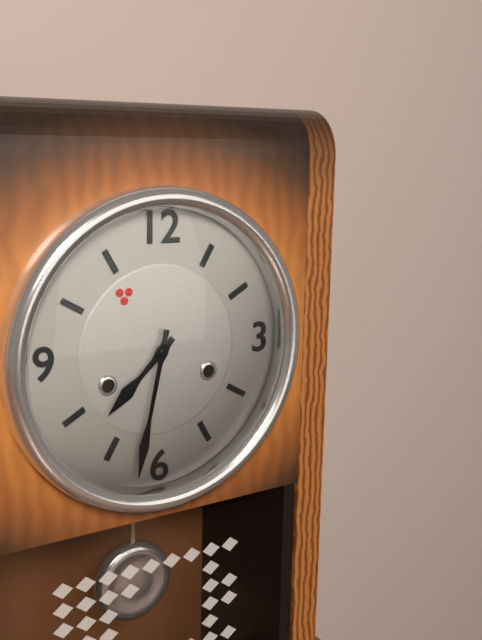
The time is h=7 m=32
